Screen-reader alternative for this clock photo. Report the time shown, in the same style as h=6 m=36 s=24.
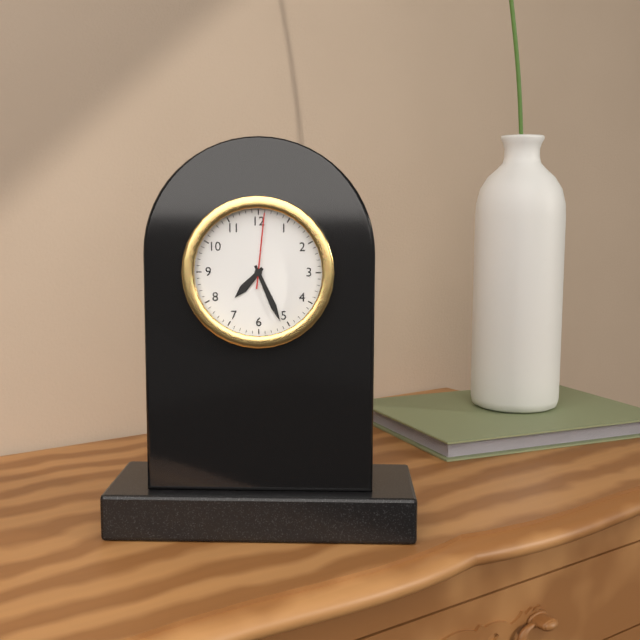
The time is h=7 m=26 s=1
